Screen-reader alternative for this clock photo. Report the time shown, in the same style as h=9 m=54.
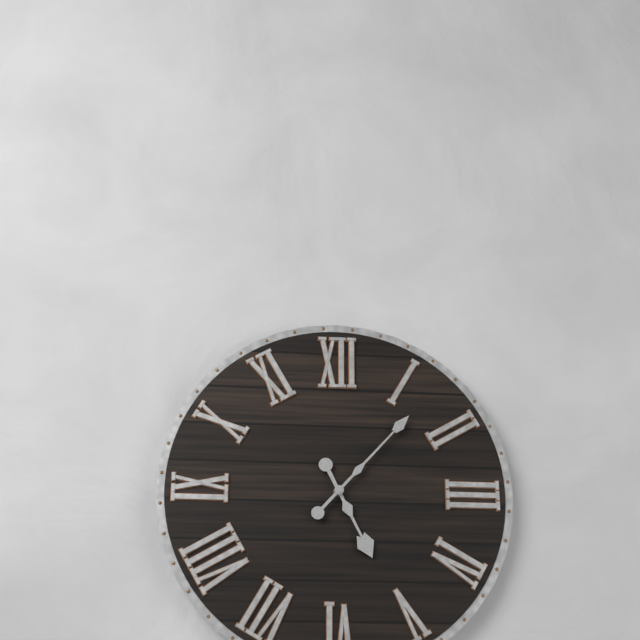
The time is h=5 m=7
